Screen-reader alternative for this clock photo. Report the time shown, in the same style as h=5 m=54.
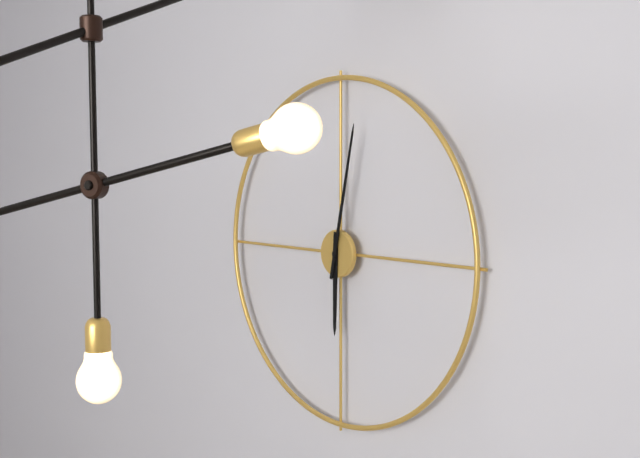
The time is h=6 m=2
